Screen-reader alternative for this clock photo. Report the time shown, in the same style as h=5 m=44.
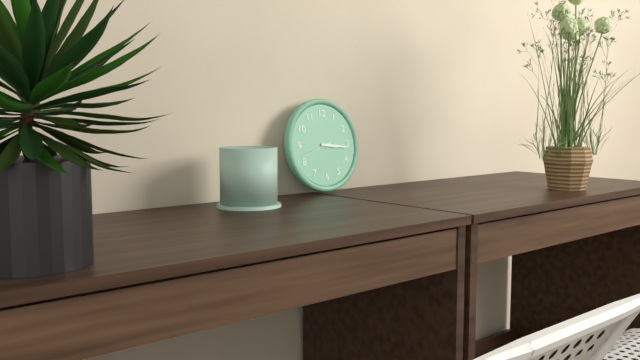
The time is h=3 m=16
